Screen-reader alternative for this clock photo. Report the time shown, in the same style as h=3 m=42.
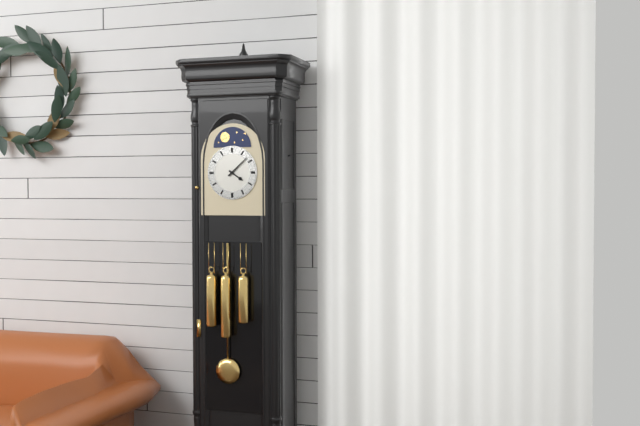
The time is h=4 m=8
